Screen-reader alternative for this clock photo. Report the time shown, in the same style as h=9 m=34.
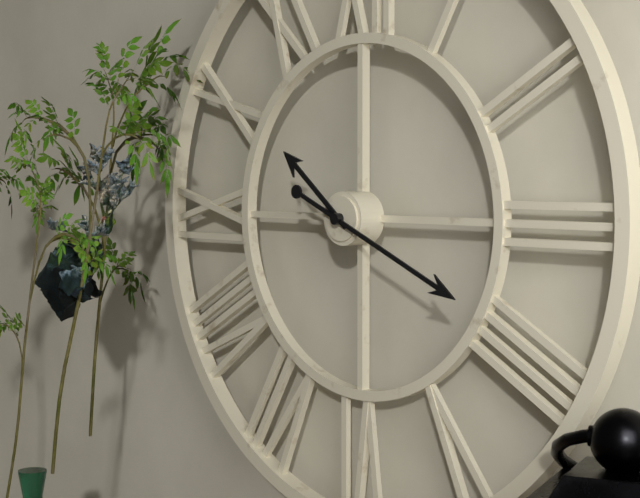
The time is h=10 m=19
